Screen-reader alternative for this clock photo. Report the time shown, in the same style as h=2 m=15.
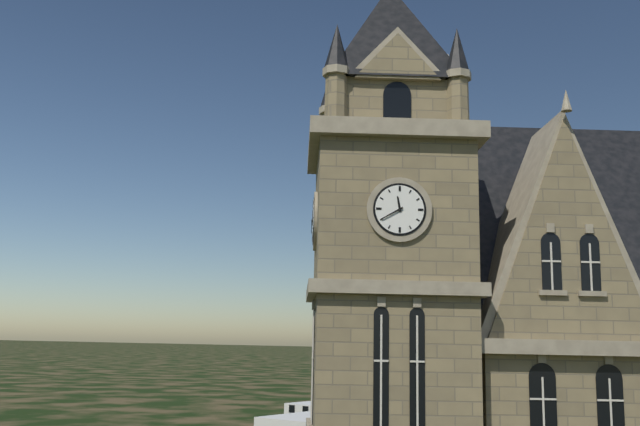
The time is h=11 m=40
